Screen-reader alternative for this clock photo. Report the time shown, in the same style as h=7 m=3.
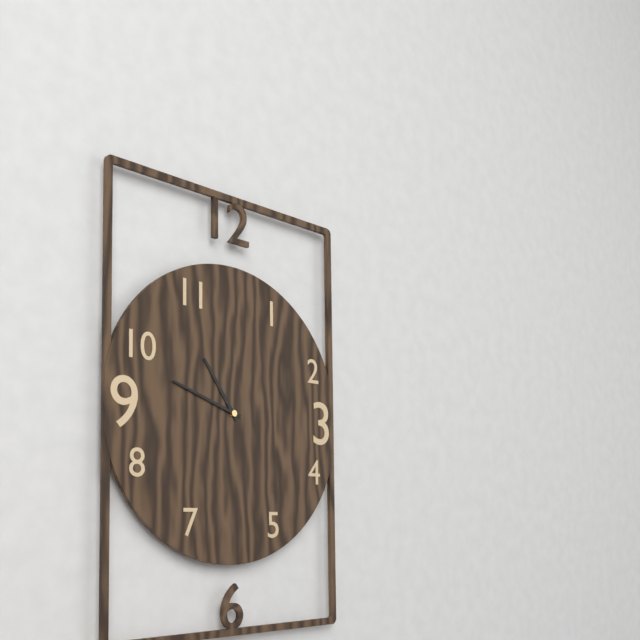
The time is h=10 m=48
